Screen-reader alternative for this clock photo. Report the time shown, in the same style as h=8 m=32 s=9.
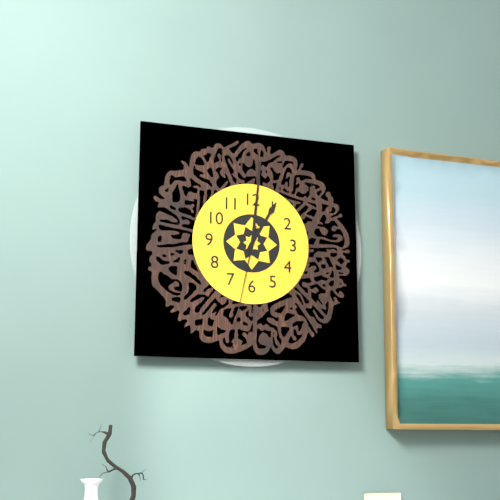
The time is h=1 m=1 s=32
